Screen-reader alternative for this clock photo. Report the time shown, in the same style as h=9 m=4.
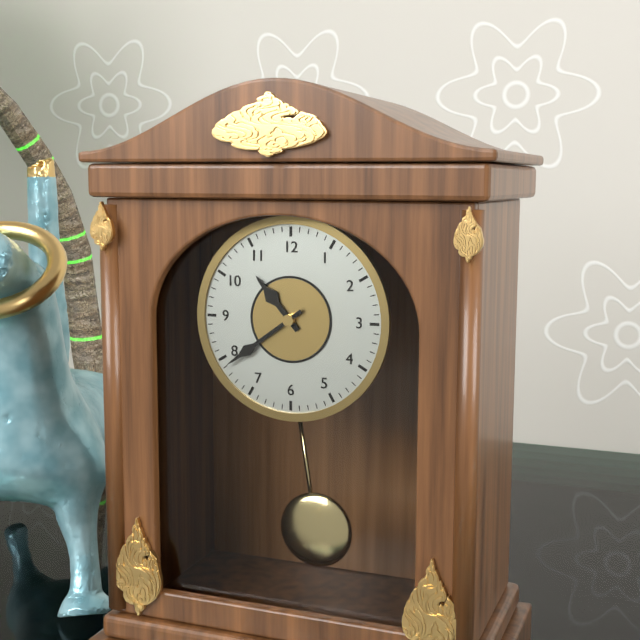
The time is h=10 m=39
